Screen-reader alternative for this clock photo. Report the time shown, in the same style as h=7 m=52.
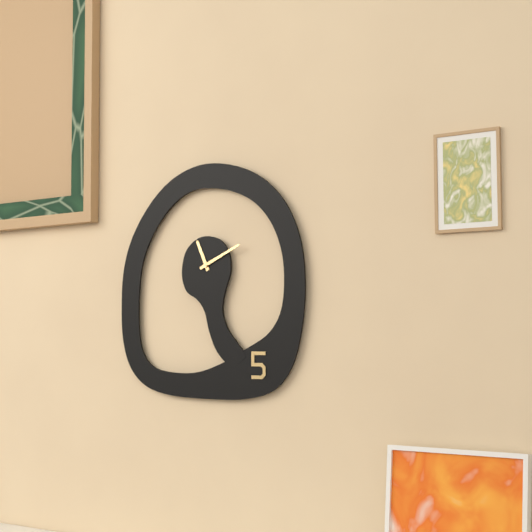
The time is h=11 m=11
